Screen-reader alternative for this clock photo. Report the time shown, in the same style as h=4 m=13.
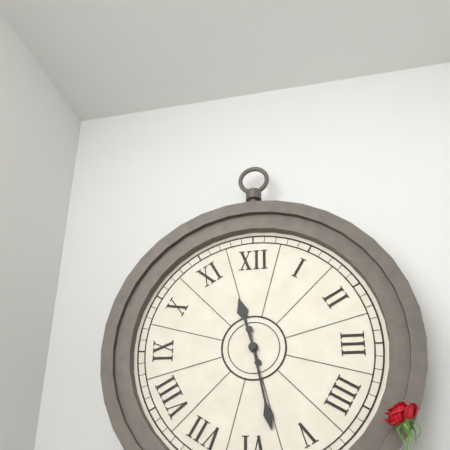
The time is h=11 m=28
